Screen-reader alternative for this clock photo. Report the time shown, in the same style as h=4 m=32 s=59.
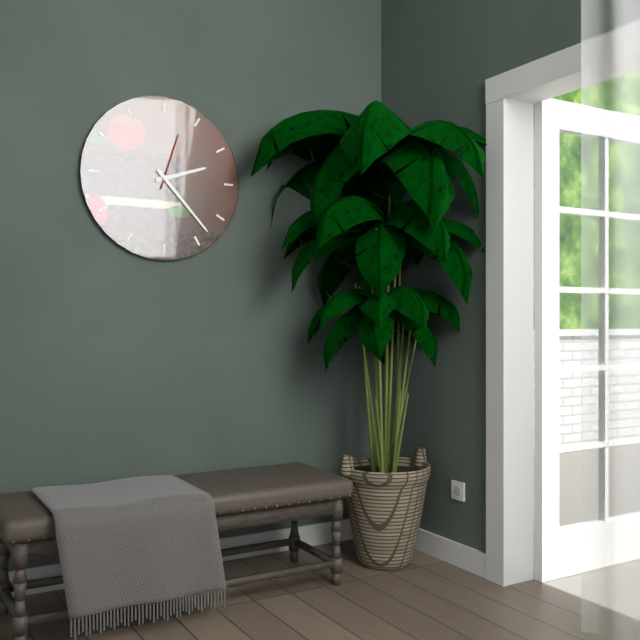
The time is h=2 m=23 s=3
